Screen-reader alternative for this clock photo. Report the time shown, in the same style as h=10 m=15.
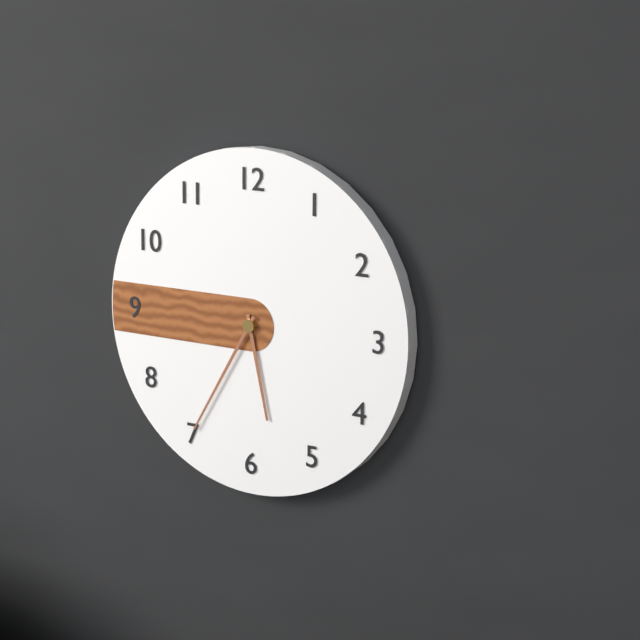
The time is h=5 m=35
